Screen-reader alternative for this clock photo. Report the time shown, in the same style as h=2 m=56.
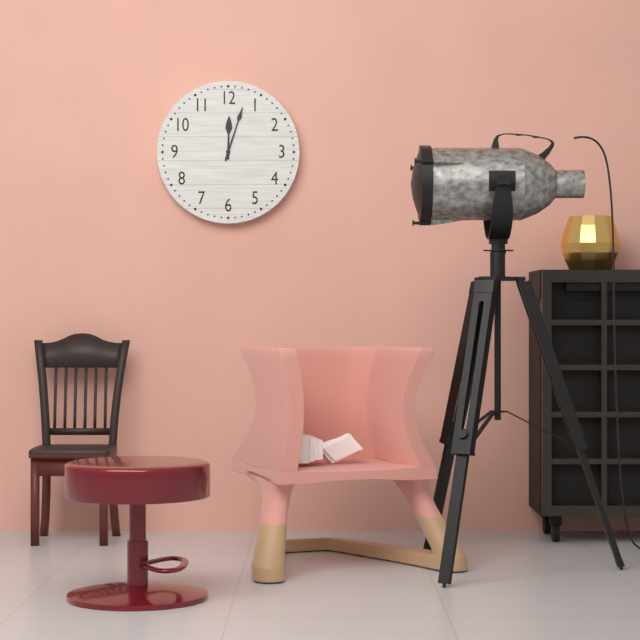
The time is h=12 m=3
